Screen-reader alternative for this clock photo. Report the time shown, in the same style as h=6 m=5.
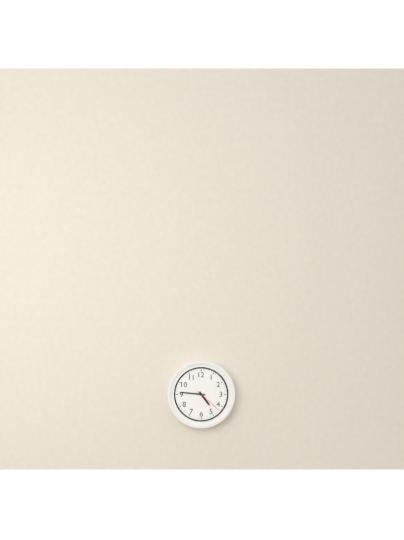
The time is h=4 m=46
